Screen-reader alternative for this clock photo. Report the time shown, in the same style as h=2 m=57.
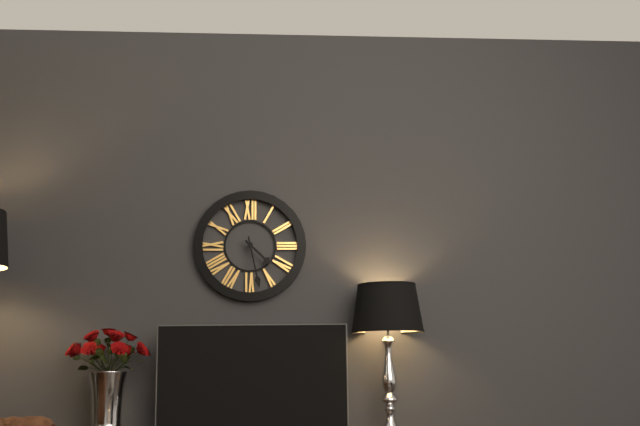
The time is h=4 m=28
